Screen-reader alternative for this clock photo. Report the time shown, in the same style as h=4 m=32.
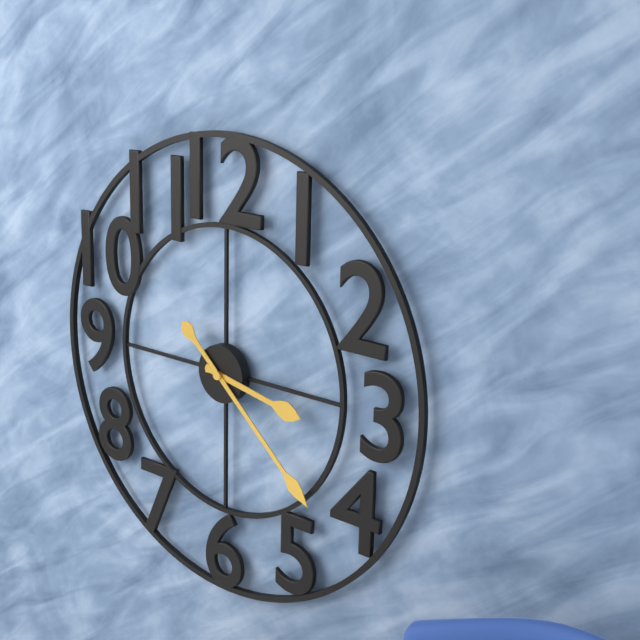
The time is h=3 m=22
